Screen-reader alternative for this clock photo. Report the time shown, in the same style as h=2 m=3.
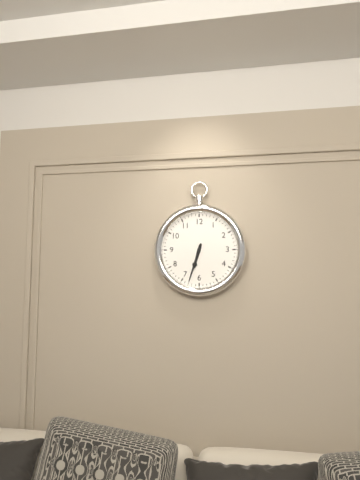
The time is h=6 m=33
